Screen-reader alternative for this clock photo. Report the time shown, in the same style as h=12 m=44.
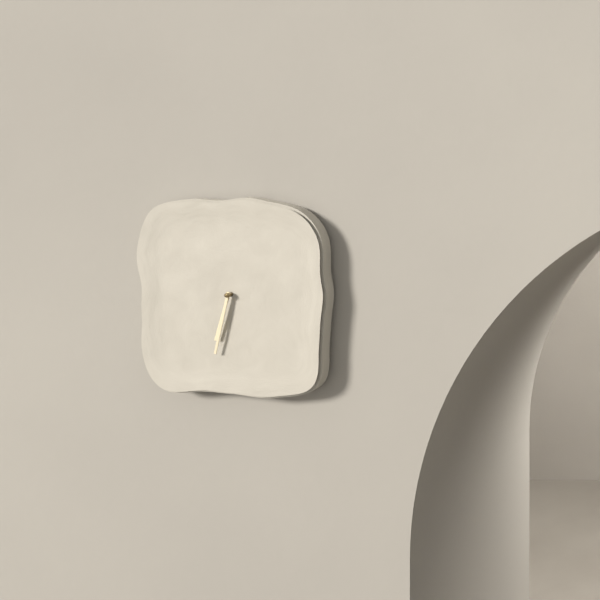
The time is h=6 m=32
